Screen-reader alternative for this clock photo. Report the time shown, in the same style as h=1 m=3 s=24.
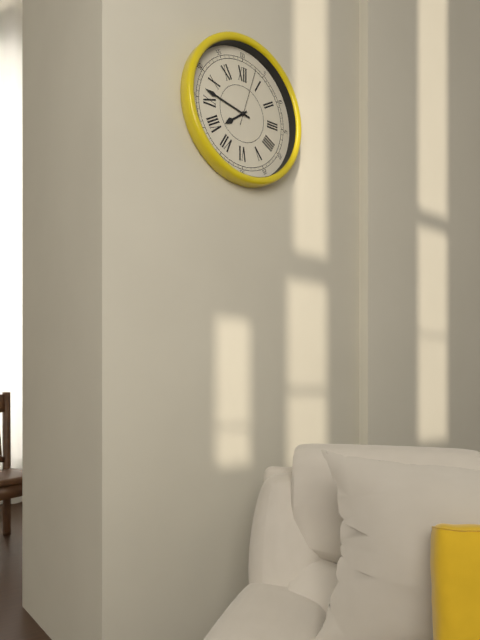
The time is h=7 m=47 s=3
